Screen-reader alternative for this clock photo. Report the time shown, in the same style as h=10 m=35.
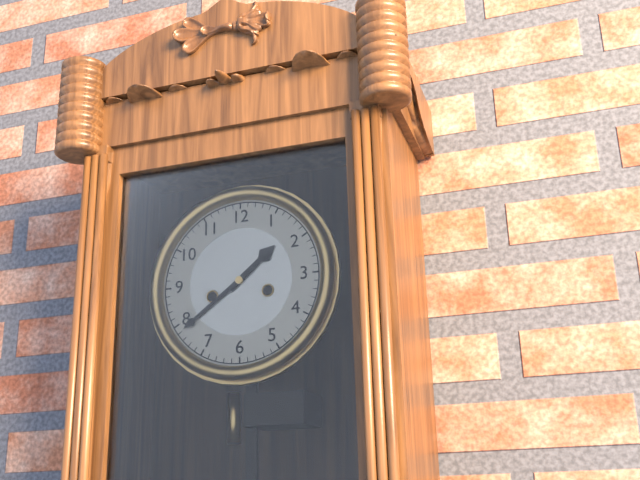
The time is h=1 m=39
